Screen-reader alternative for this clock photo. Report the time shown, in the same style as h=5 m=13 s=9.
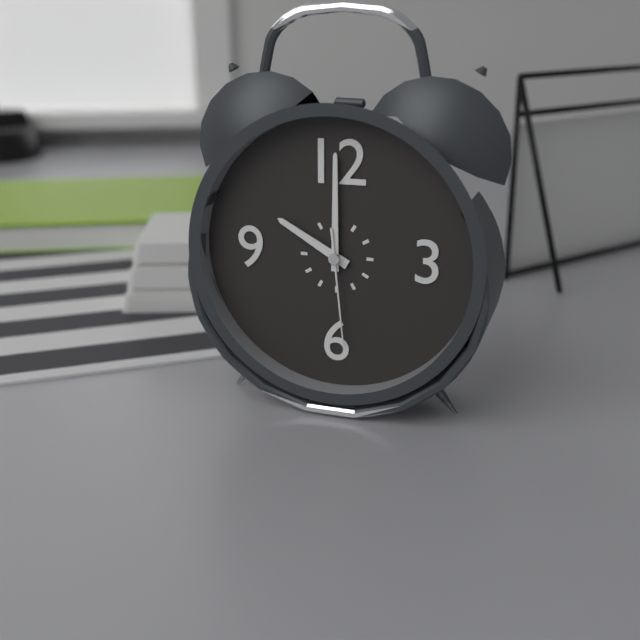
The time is h=10 m=0 s=29
